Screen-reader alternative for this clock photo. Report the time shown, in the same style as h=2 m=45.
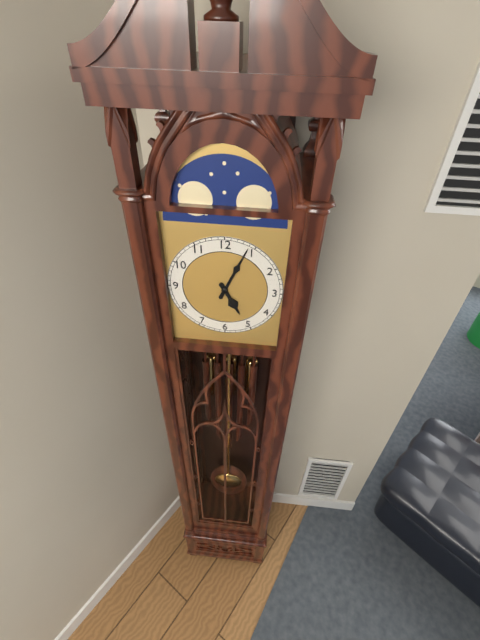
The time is h=5 m=4
